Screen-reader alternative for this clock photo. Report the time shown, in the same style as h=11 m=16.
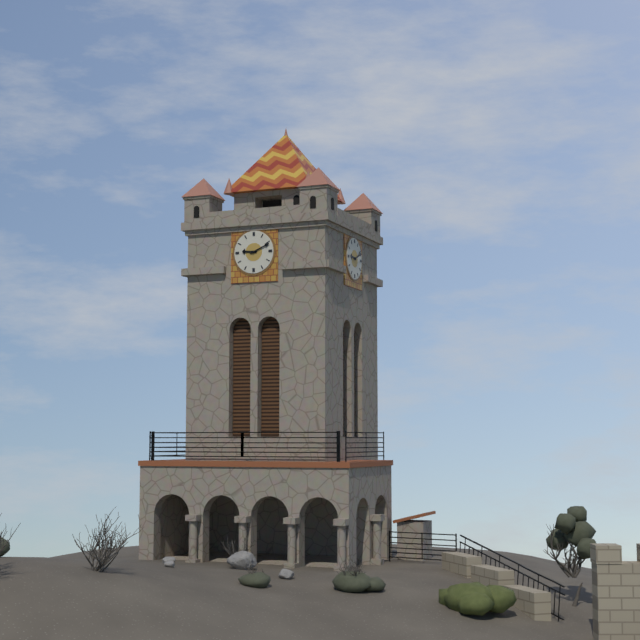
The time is h=9 m=11
